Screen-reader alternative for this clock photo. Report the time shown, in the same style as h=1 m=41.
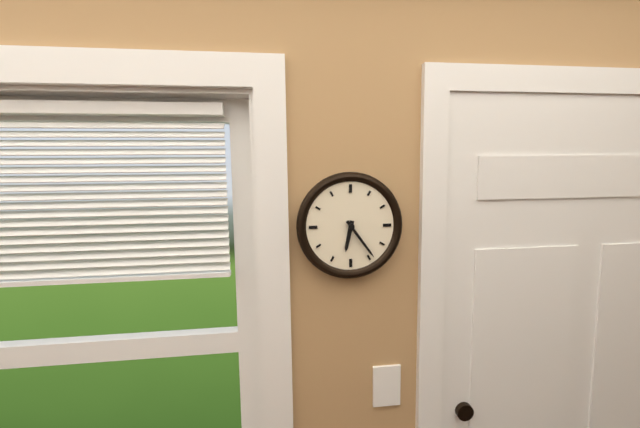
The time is h=6 m=24
